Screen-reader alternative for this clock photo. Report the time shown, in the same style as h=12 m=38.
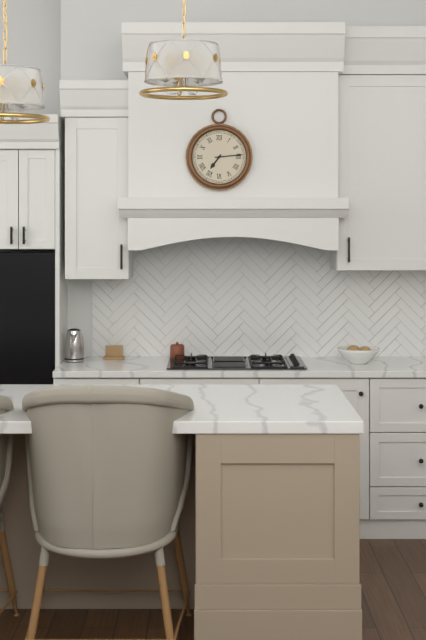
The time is h=7 m=14
